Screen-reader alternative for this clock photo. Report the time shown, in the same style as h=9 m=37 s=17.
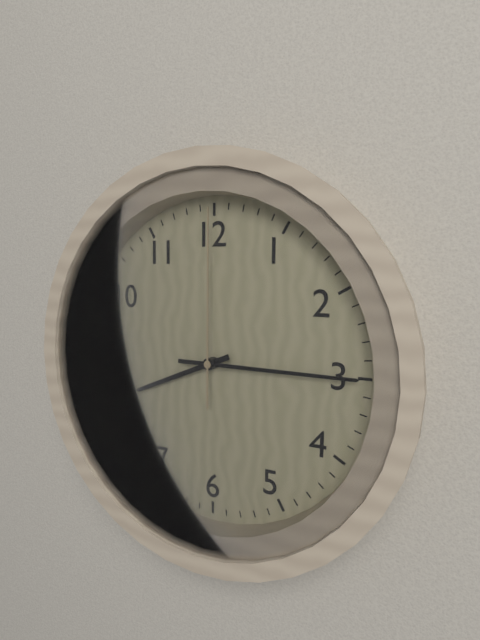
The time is h=8 m=15 s=0
